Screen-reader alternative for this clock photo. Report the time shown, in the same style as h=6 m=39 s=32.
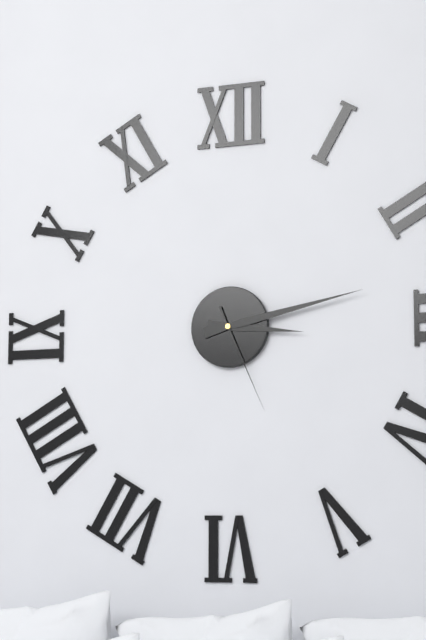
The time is h=3 m=13 s=26
